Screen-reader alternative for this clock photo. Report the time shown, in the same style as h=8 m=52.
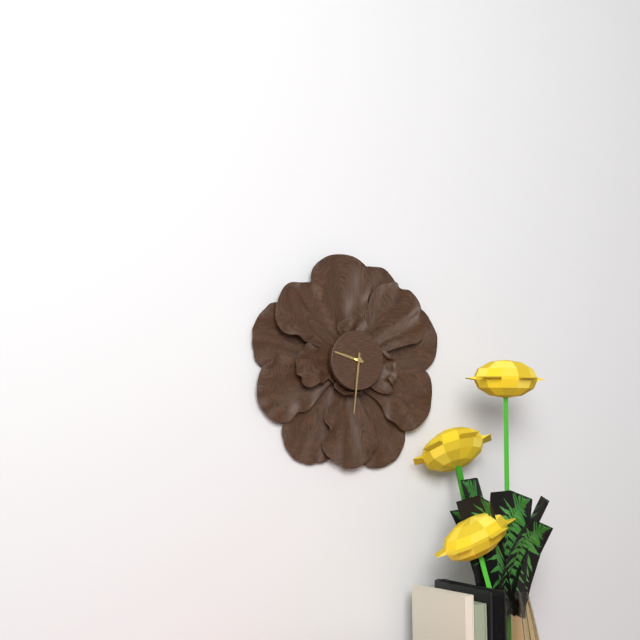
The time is h=9 m=31
